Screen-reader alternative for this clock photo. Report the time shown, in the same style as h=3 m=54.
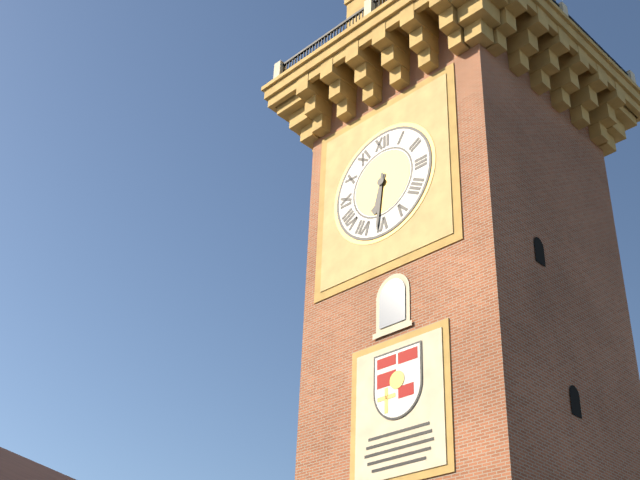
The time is h=6 m=31
